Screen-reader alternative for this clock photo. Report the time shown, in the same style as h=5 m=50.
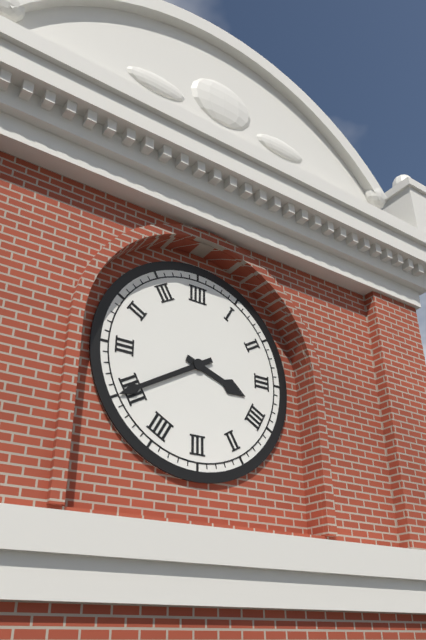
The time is h=3 m=40
